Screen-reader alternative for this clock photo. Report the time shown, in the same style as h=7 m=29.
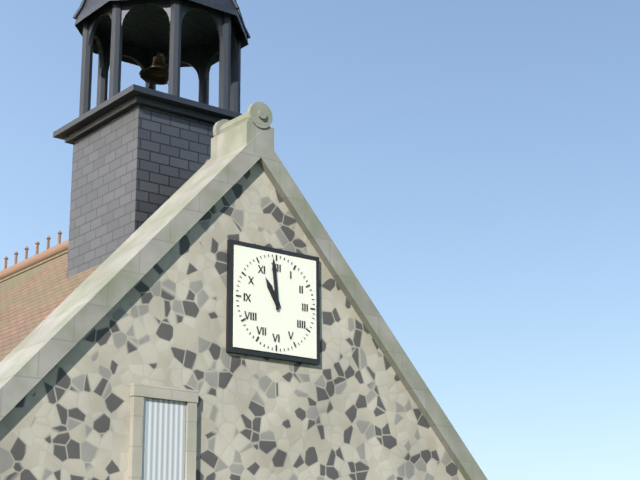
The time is h=10 m=59
